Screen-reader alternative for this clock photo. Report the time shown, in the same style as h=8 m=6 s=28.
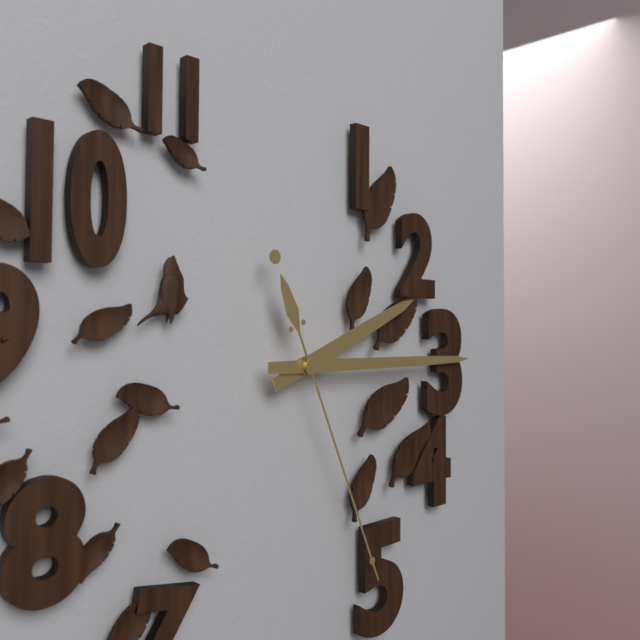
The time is h=2 m=15 s=26
